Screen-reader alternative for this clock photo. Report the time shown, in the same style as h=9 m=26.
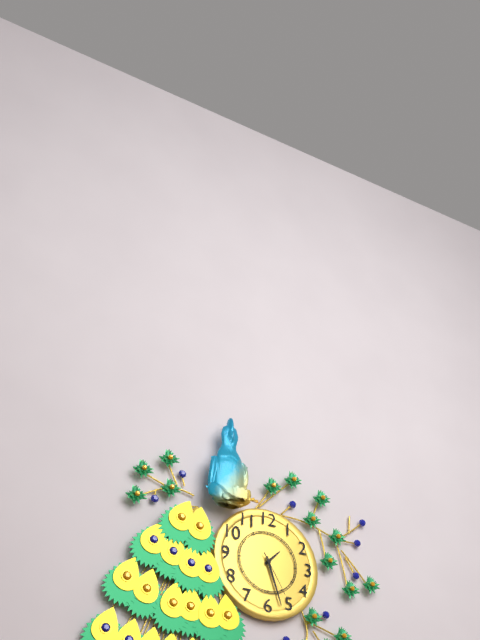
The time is h=1 m=27
